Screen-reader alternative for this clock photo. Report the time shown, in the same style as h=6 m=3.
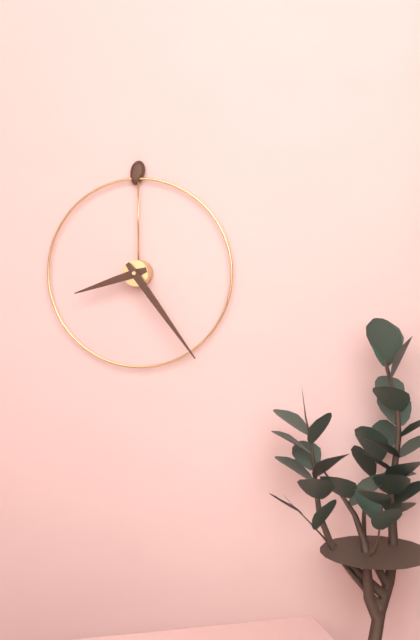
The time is h=8 m=24
